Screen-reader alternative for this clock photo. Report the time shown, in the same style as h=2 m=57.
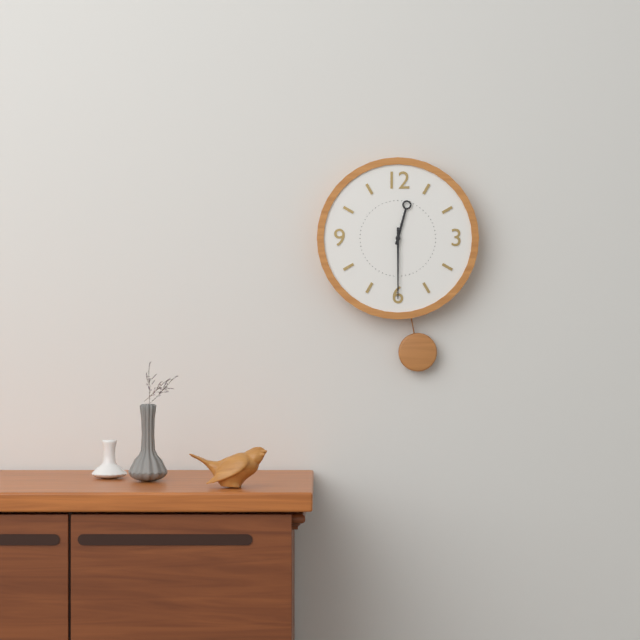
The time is h=12 m=30
